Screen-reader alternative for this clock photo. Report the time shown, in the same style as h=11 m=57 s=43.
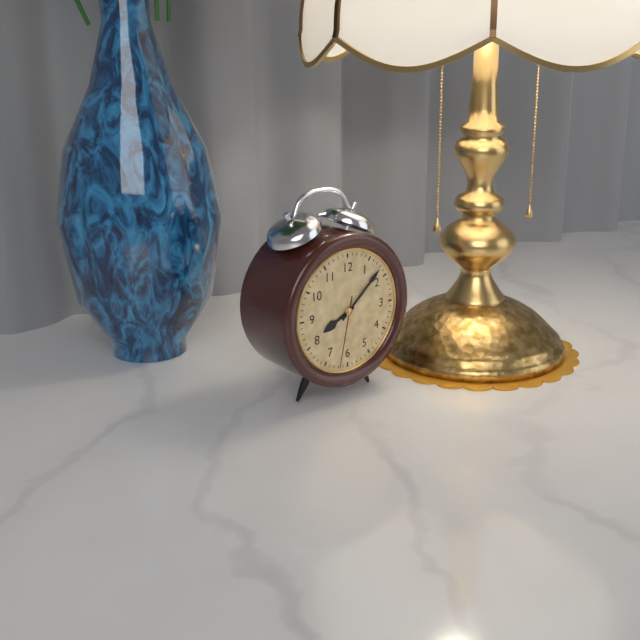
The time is h=8 m=8 s=32
